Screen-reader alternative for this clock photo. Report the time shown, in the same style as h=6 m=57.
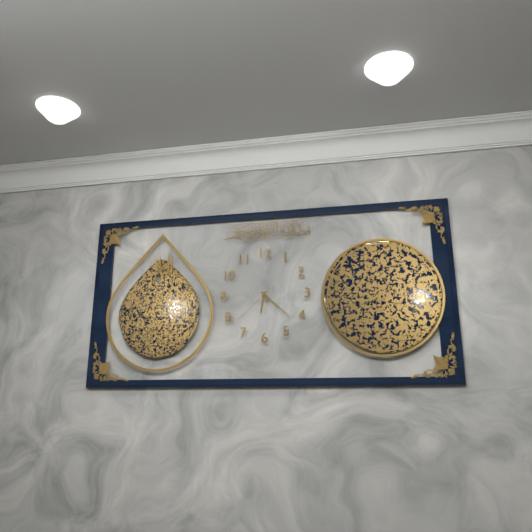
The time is h=6 m=22
